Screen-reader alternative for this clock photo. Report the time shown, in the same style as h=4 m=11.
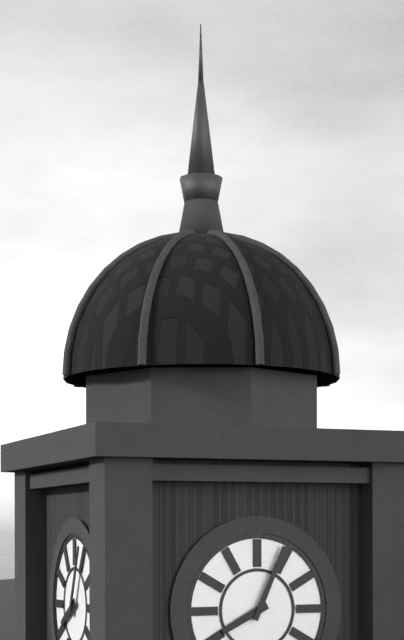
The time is h=8 m=4
